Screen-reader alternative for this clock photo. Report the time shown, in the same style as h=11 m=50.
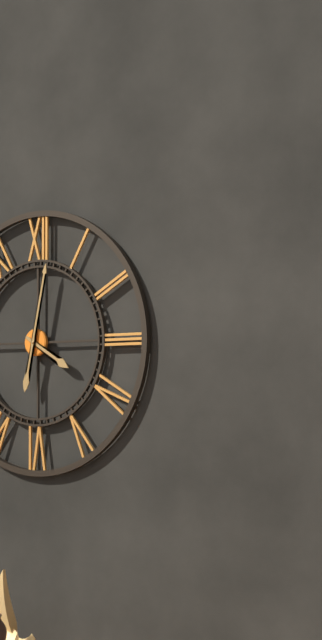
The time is h=4 m=2
